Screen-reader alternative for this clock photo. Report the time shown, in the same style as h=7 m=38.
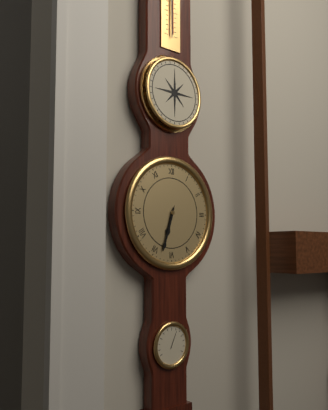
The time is h=6 m=33
